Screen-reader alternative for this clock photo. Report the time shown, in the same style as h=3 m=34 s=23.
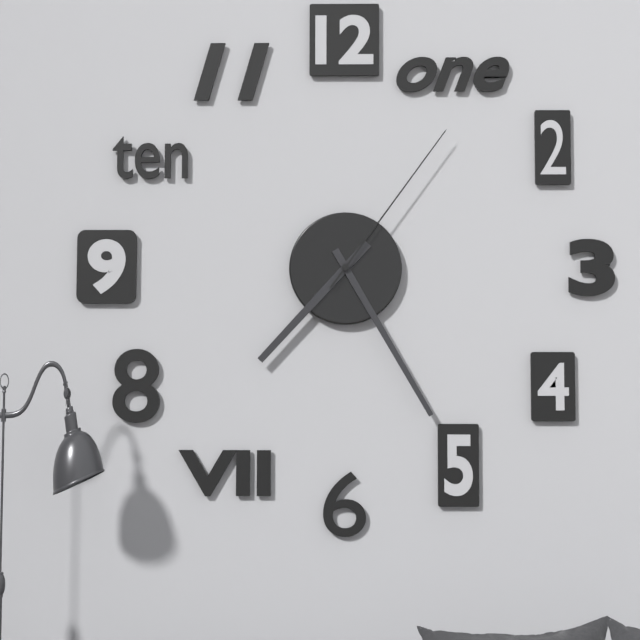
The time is h=7 m=25 s=6
